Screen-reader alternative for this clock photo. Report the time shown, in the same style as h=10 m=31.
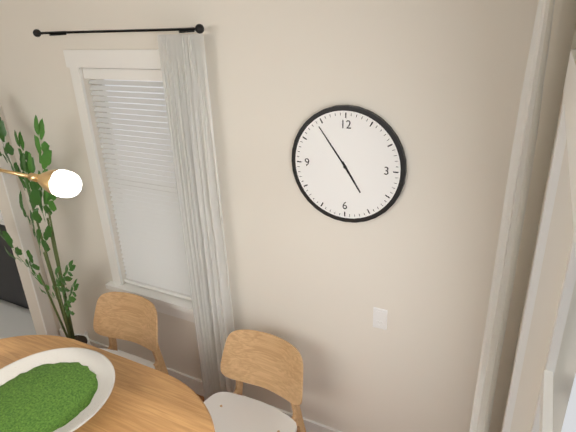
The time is h=4 m=54
